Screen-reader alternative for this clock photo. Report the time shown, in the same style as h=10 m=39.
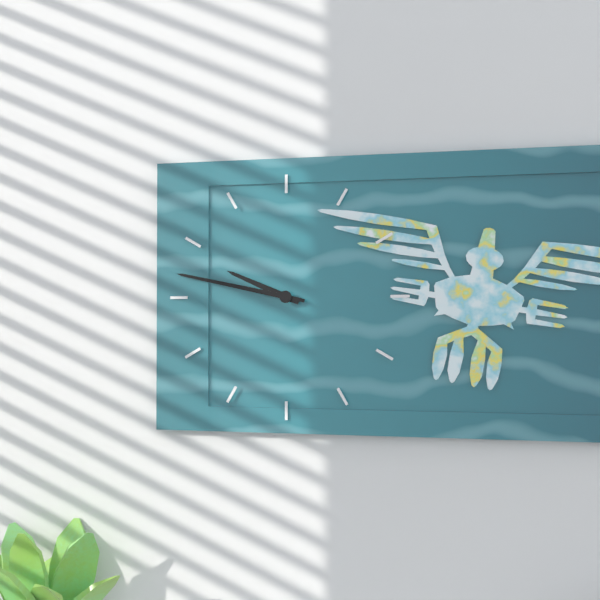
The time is h=9 m=47
